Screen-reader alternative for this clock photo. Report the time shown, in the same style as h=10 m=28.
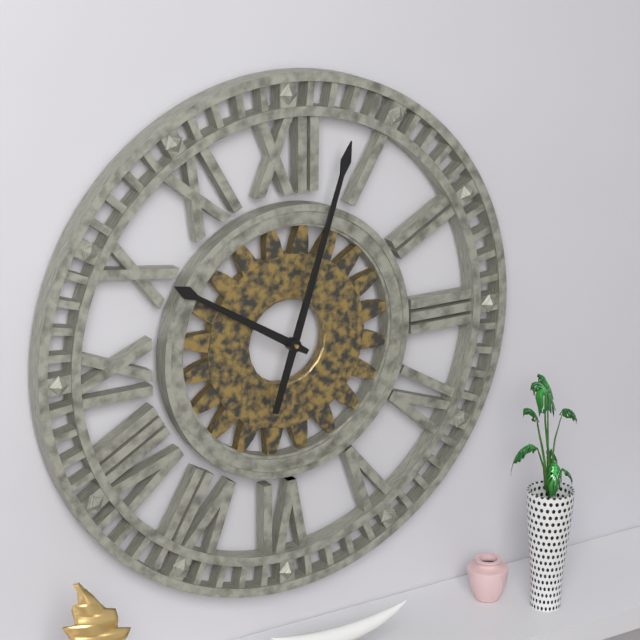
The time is h=10 m=3
